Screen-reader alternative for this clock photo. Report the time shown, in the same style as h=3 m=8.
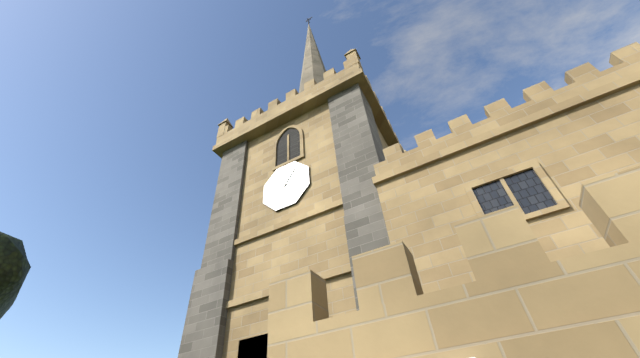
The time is h=9 m=6
